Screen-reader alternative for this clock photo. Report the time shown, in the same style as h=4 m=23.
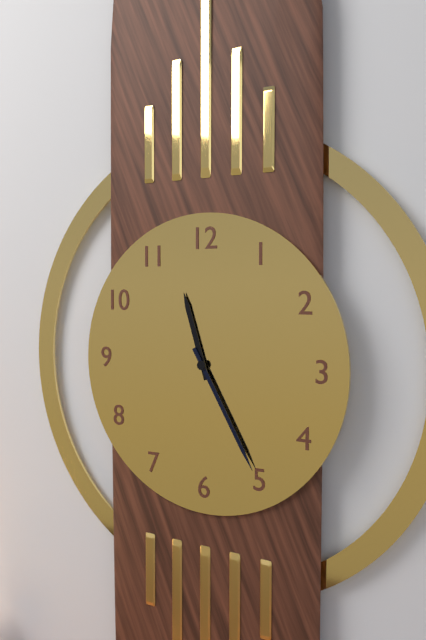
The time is h=11 m=25
